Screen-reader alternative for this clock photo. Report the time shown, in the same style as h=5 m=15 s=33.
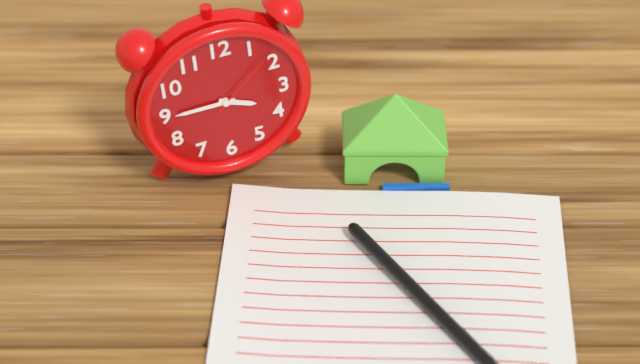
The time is h=3 m=45 s=8
